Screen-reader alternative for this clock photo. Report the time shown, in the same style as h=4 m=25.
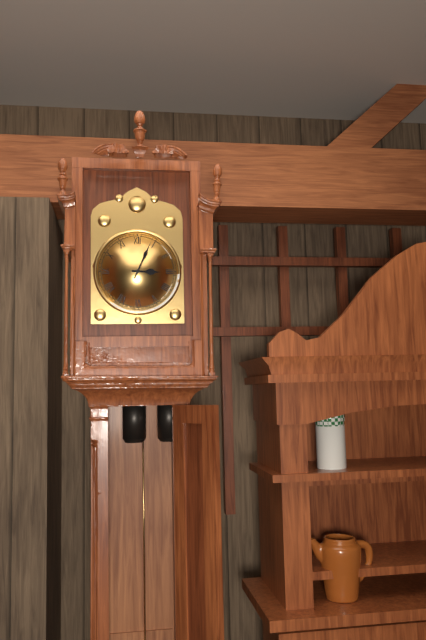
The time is h=3 m=4
